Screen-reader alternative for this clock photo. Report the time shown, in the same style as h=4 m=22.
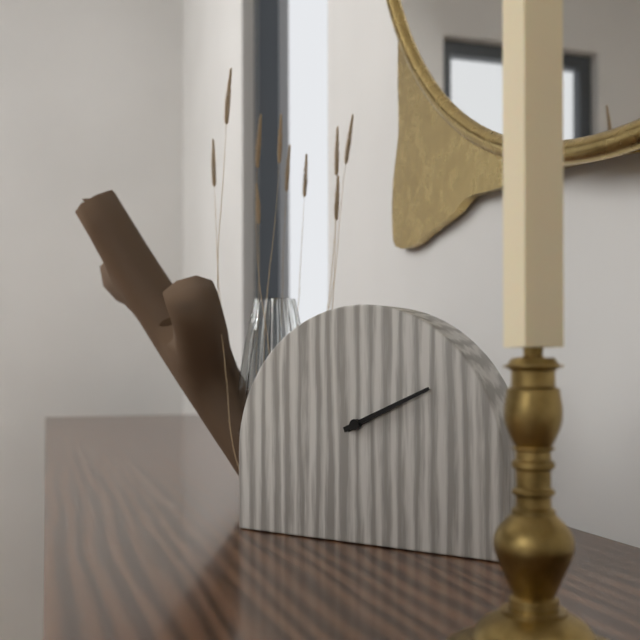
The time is h=2 m=11
